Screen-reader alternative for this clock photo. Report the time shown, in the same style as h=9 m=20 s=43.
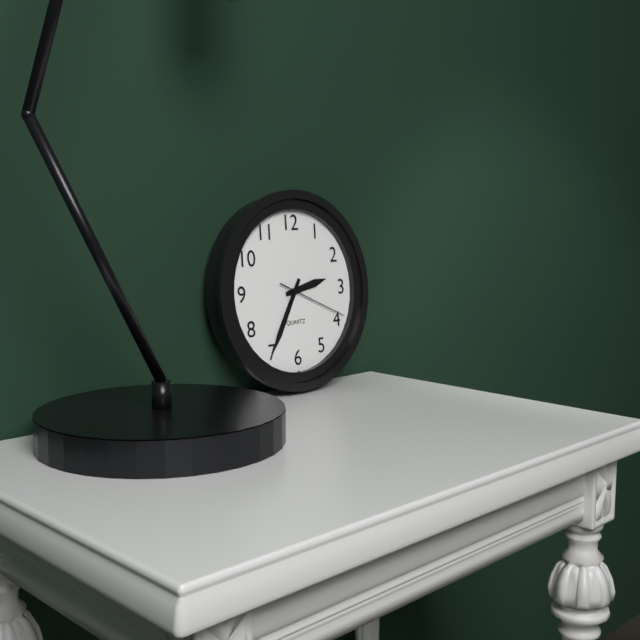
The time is h=2 m=35 s=19
